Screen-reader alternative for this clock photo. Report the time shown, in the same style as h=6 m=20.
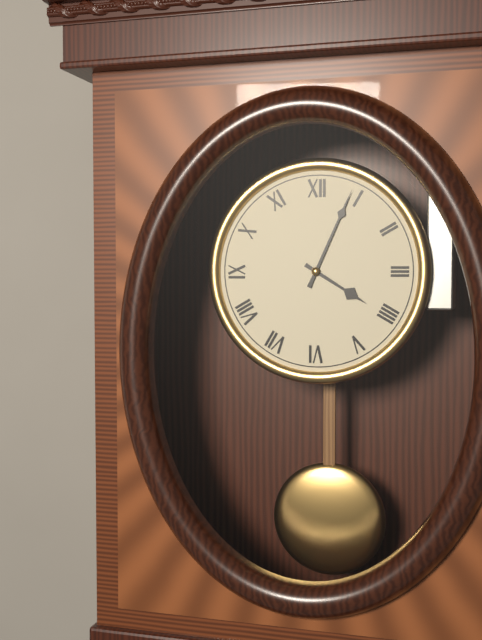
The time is h=4 m=4
